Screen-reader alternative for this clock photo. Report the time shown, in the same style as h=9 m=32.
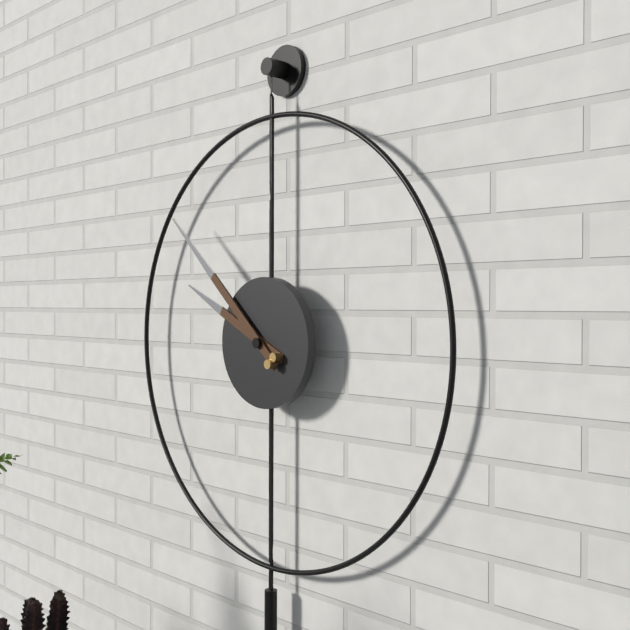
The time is h=9 m=52
